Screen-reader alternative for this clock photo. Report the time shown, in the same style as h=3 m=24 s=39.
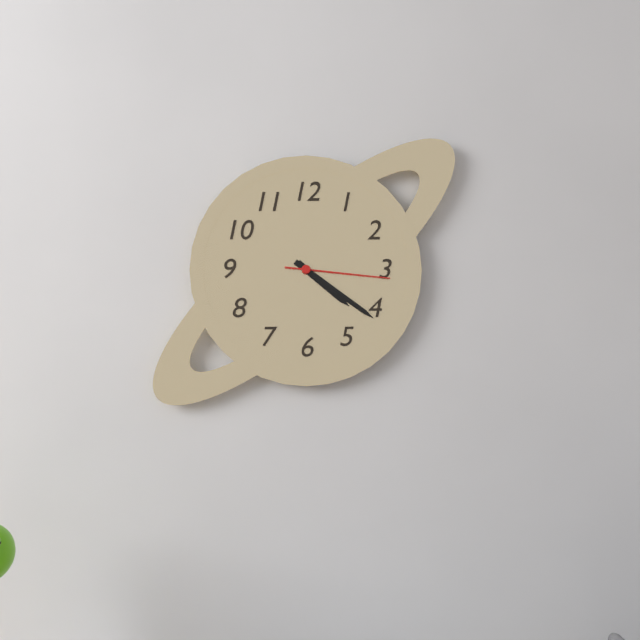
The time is h=4 m=21 s=16
